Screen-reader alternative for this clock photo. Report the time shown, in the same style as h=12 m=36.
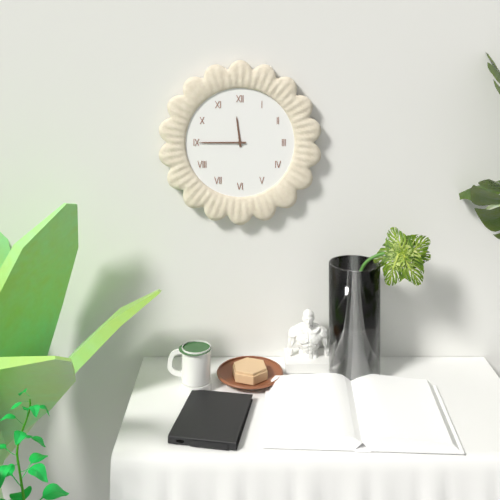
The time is h=11 m=45
